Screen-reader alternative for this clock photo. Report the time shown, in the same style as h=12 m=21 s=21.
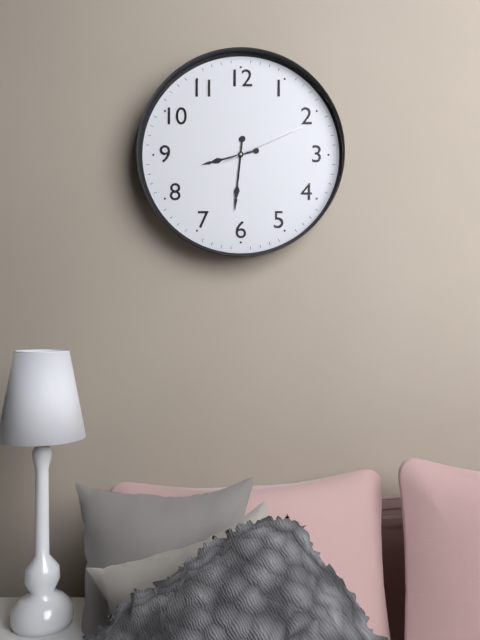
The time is h=8 m=31 s=11
